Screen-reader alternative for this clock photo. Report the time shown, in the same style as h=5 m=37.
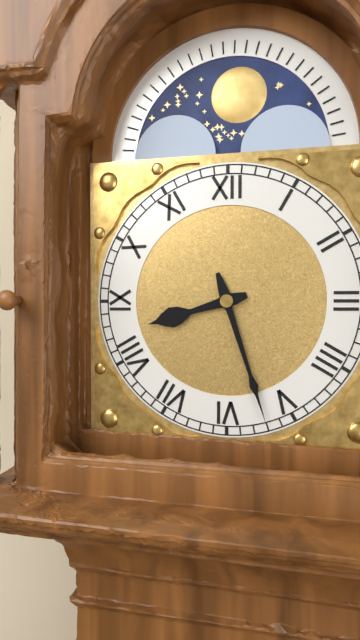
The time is h=8 m=27
